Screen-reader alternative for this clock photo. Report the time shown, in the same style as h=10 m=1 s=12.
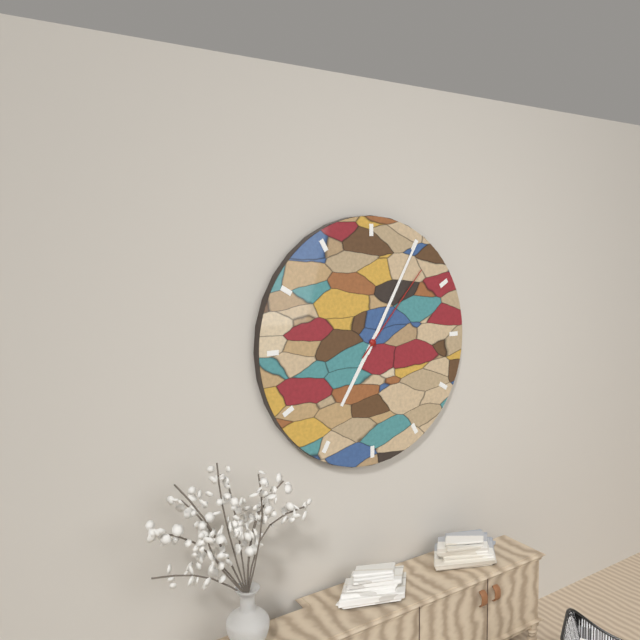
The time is h=7 m=5 s=7
